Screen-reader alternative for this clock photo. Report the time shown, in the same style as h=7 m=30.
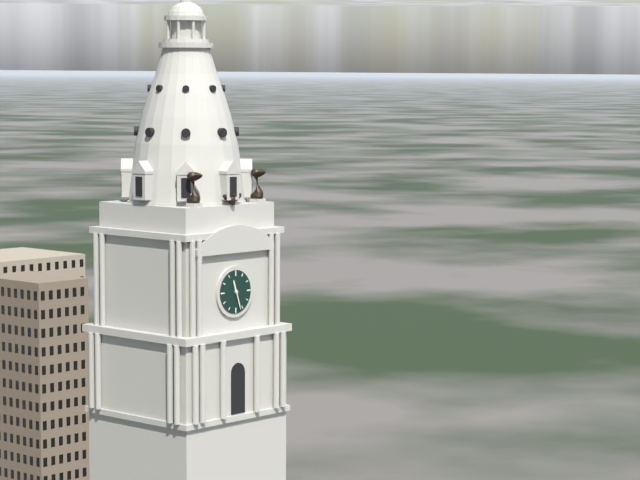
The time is h=11 m=27
